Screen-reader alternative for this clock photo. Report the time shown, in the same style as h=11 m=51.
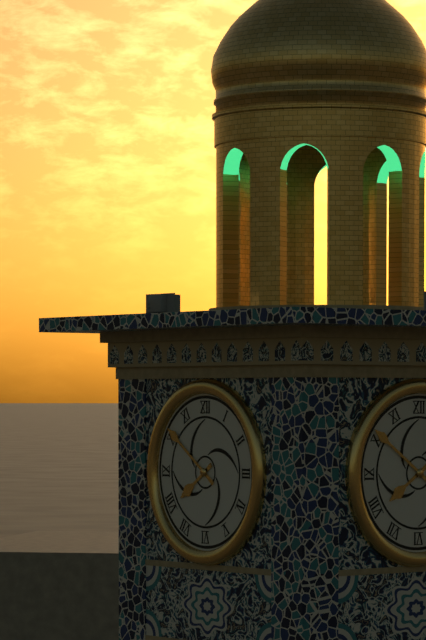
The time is h=7 m=51
